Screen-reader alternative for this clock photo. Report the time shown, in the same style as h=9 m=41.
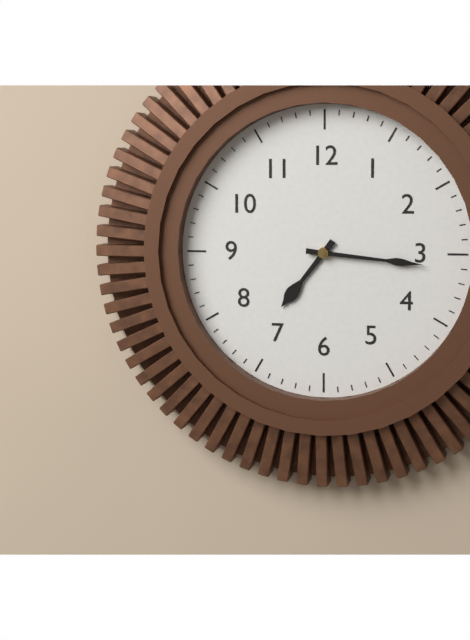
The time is h=7 m=16
